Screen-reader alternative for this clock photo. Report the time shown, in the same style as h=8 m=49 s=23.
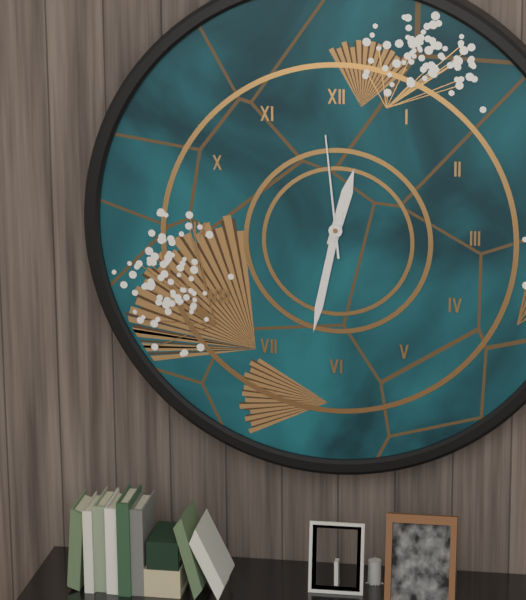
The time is h=12 m=32 s=59
